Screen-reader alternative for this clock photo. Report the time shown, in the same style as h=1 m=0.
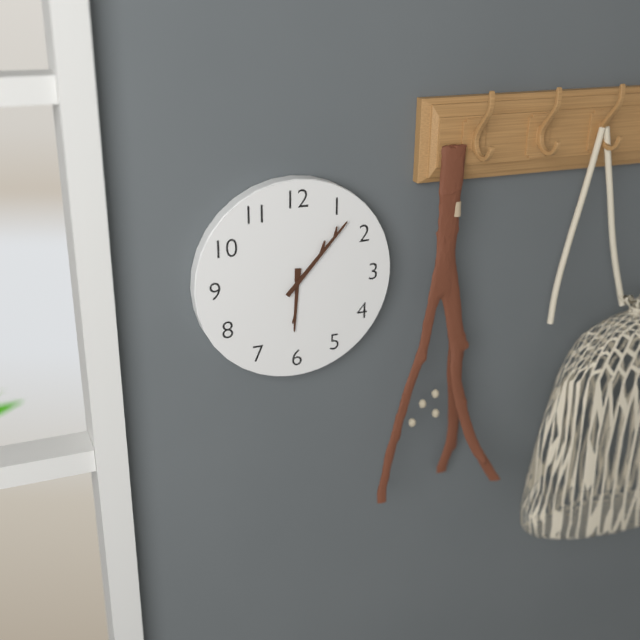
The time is h=6 m=7
